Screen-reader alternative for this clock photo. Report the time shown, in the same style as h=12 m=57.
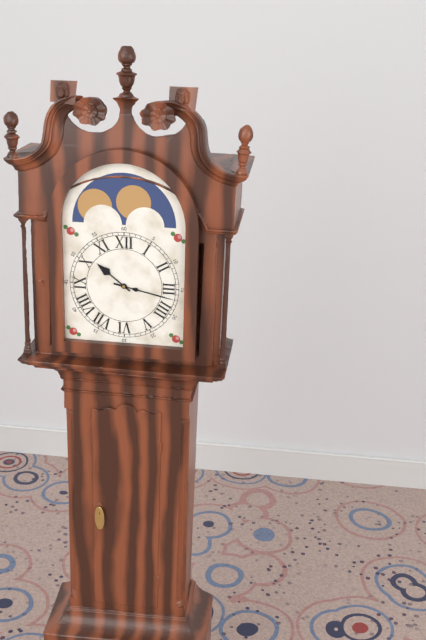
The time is h=10 m=17
